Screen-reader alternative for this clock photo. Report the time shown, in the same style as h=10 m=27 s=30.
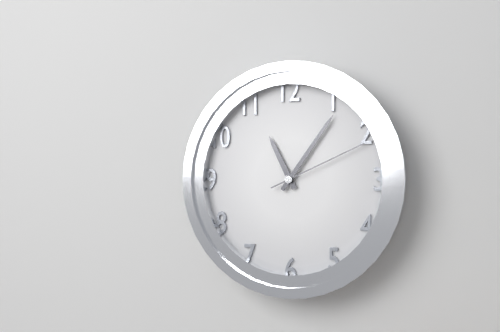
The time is h=11 m=6 s=11
